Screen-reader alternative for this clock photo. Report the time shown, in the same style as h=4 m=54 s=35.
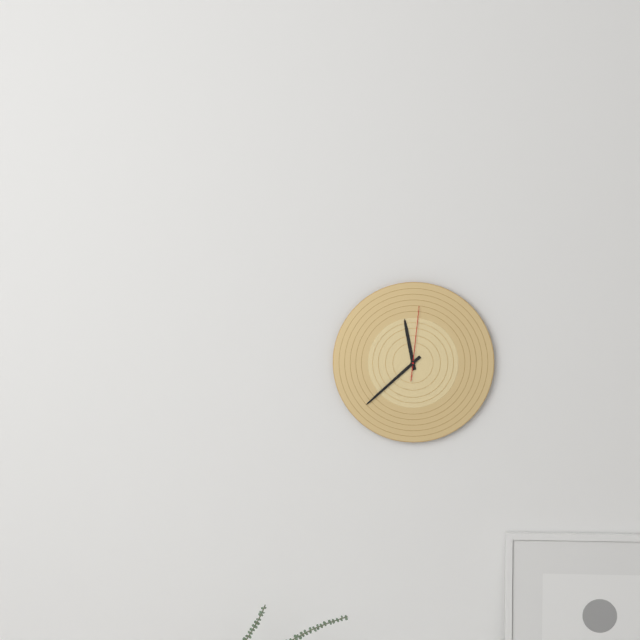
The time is h=11 m=38 s=1
